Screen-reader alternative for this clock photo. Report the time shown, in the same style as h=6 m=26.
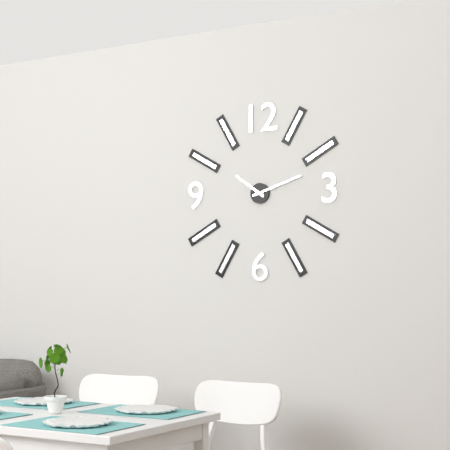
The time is h=10 m=12
